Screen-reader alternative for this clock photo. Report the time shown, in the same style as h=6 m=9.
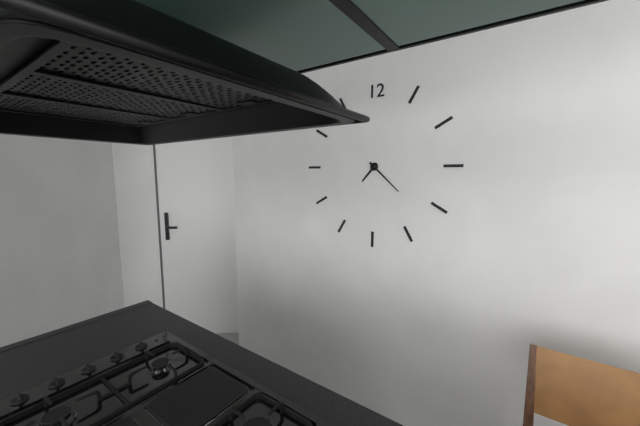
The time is h=7 m=22
